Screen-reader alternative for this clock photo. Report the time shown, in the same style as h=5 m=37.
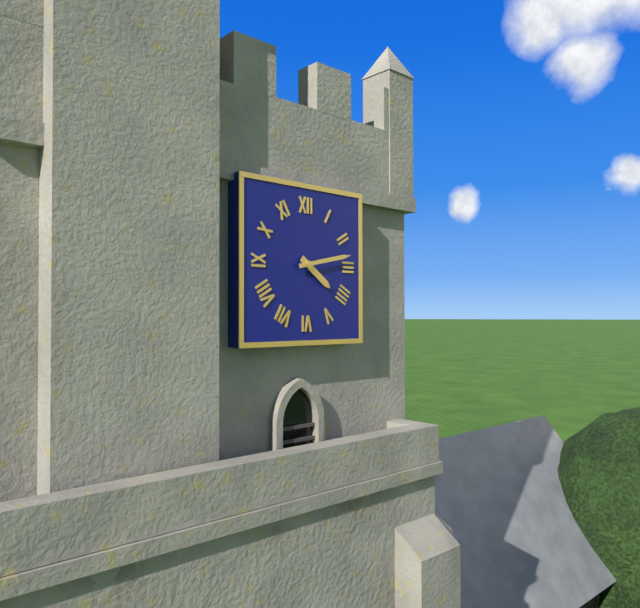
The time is h=4 m=13
